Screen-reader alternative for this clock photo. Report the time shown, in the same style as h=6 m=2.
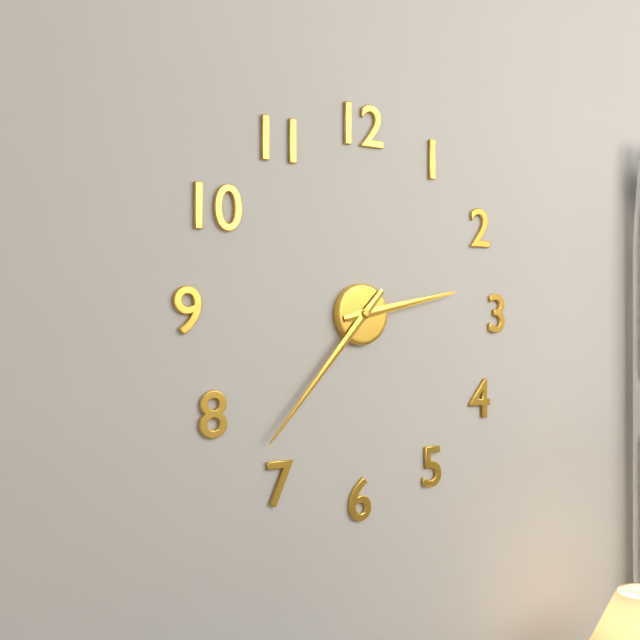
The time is h=2 m=37
